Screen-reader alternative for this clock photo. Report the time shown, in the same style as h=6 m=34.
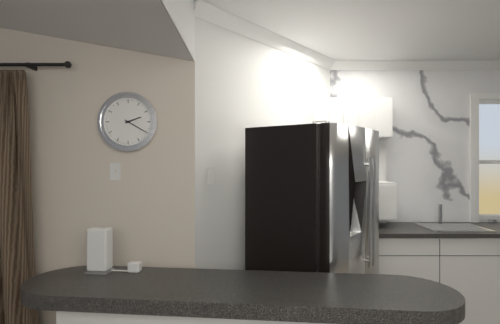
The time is h=2 m=20
